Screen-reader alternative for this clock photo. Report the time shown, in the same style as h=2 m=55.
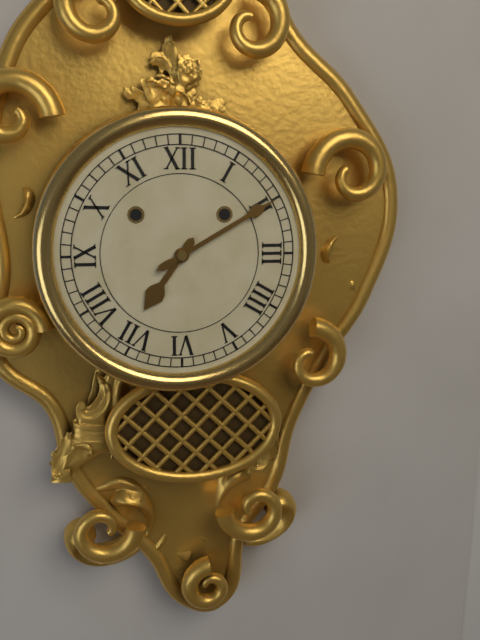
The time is h=7 m=10
